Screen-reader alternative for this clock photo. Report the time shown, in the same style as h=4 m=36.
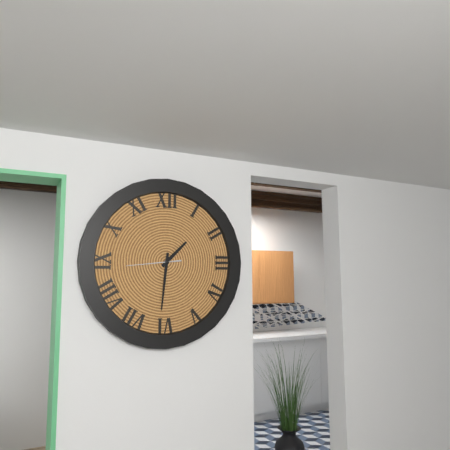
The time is h=1 m=31
